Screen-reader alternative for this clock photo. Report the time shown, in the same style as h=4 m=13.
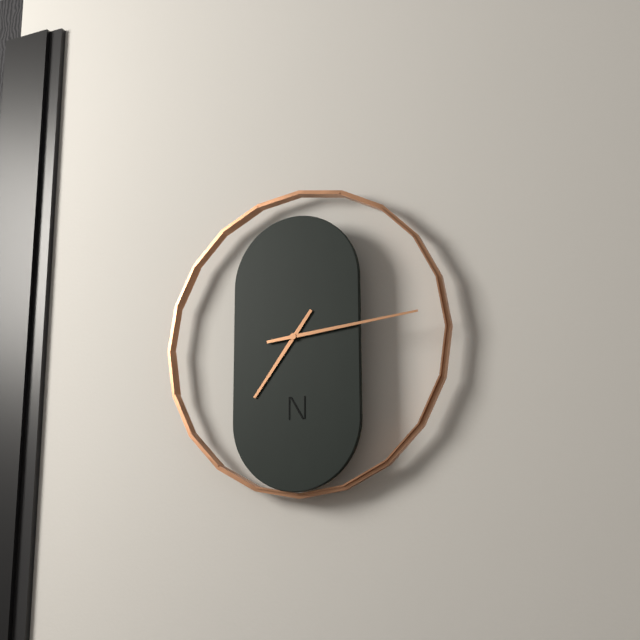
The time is h=7 m=14
